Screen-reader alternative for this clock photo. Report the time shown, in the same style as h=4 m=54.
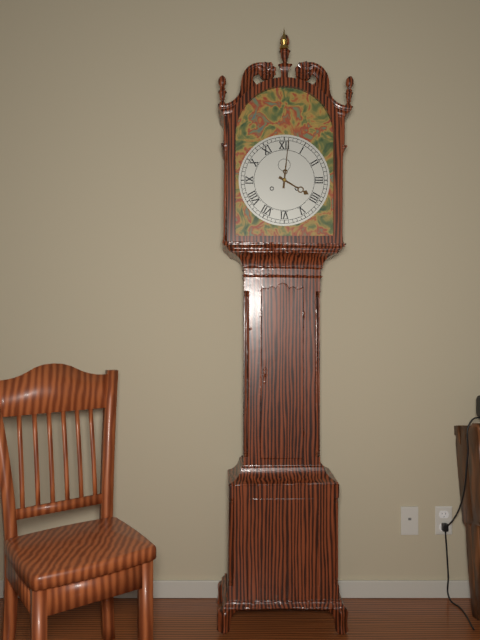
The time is h=4 m=1
